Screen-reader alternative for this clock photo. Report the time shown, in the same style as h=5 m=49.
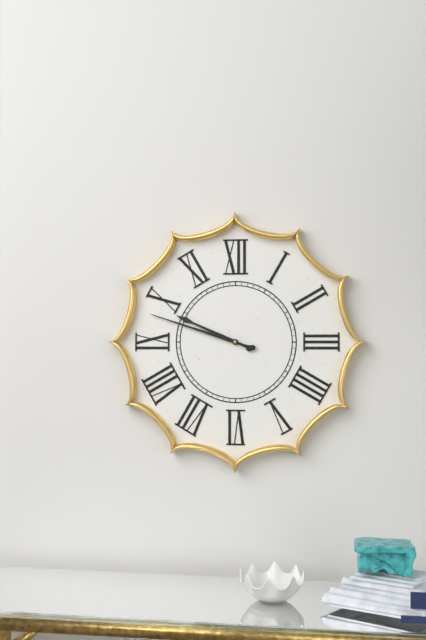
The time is h=9 m=48
